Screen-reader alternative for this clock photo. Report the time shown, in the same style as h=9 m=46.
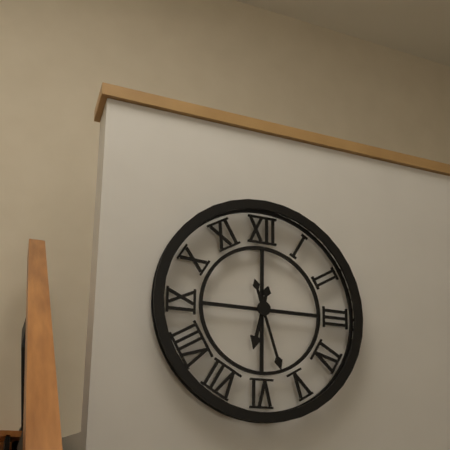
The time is h=6 m=27
